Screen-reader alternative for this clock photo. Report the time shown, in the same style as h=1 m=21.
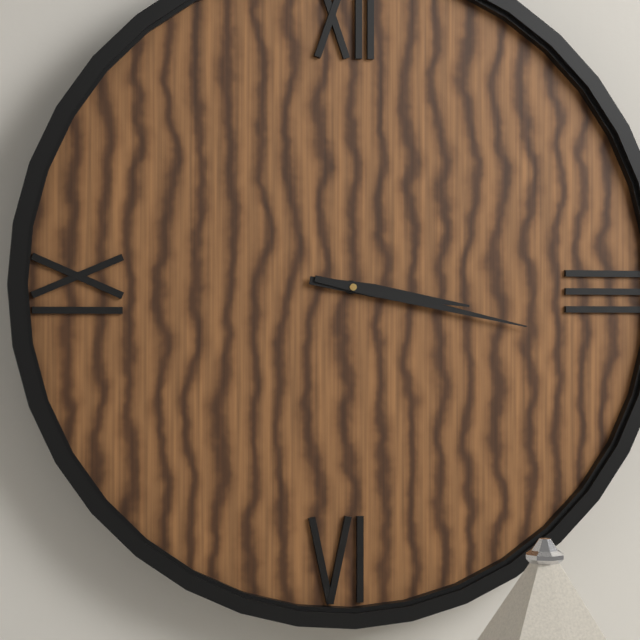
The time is h=3 m=17
